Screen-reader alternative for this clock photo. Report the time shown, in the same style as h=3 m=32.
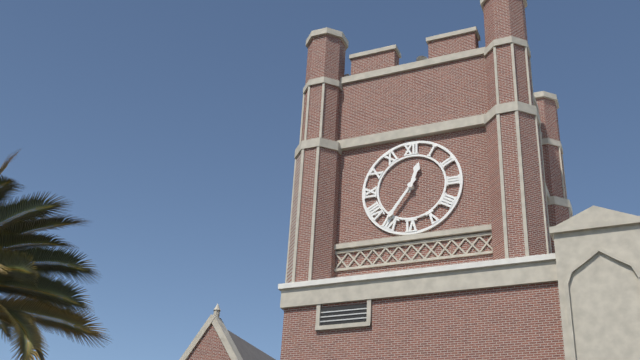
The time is h=12 m=36
